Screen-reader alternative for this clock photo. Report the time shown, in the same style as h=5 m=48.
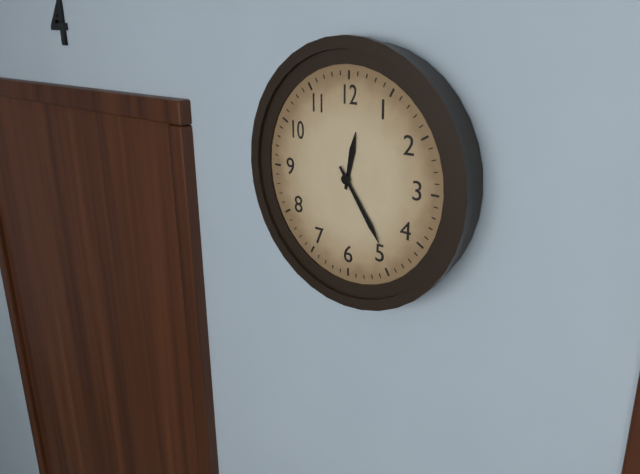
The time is h=12 m=24
